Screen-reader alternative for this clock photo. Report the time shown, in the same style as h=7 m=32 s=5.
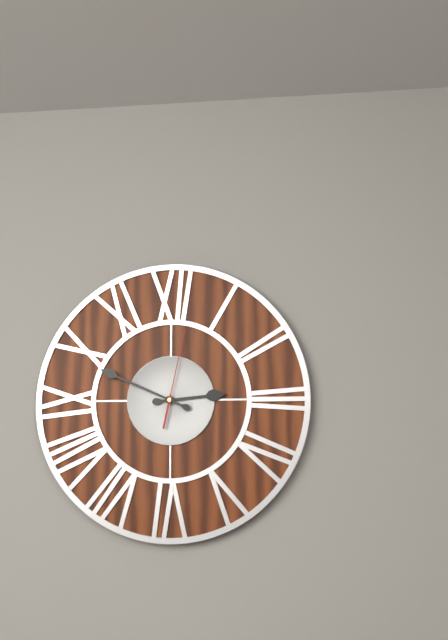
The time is h=2 m=49 s=2
